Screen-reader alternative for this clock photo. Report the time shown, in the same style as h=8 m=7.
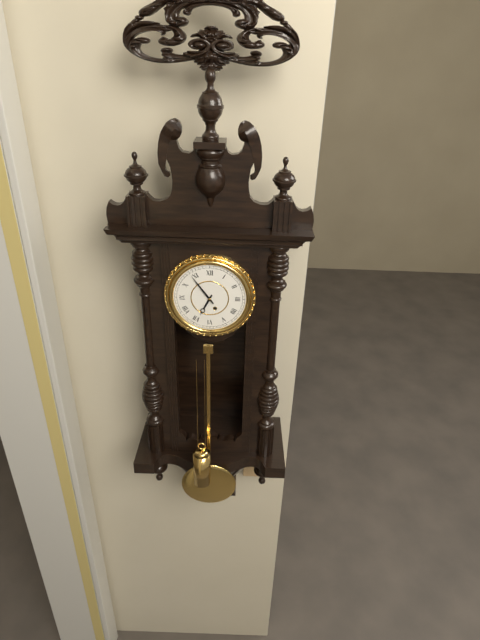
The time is h=6 m=54
